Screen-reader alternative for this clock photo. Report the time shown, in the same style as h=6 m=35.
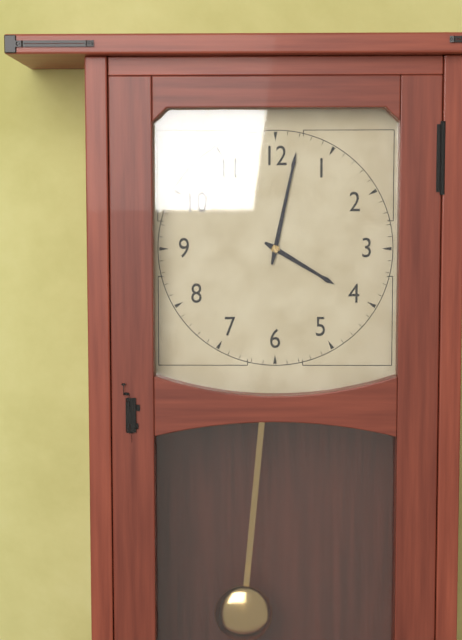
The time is h=4 m=2
